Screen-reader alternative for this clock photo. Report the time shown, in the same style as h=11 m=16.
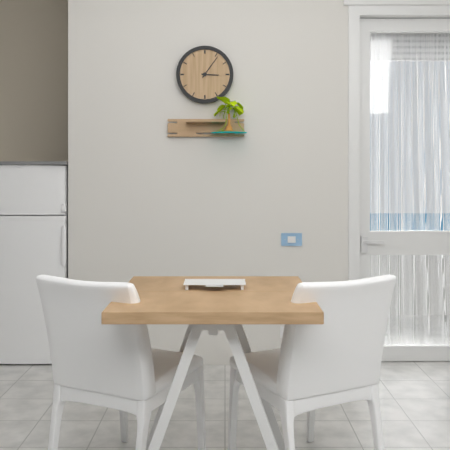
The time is h=3 m=6
